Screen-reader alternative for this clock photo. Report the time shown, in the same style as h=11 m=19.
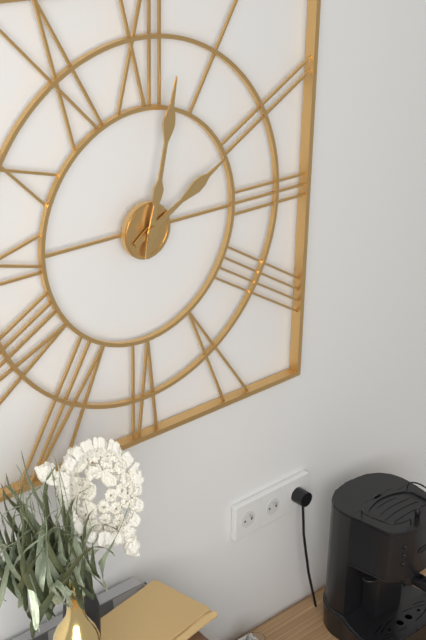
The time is h=2 m=2
